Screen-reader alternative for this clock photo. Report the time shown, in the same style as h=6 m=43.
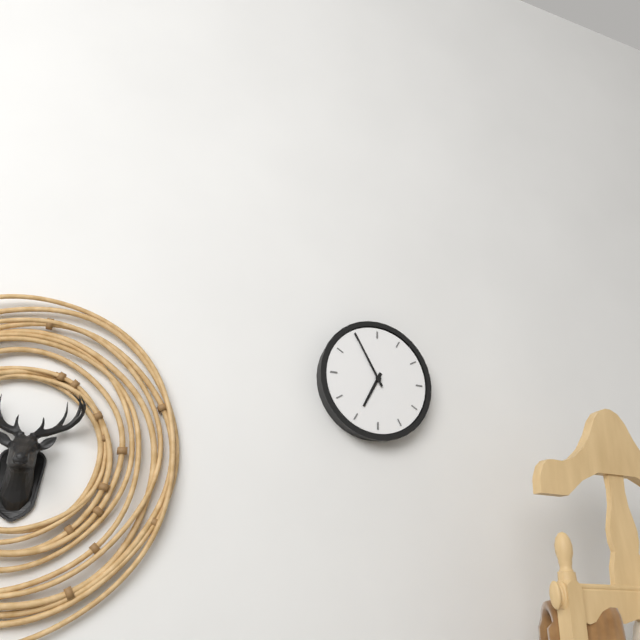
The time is h=6 m=55
